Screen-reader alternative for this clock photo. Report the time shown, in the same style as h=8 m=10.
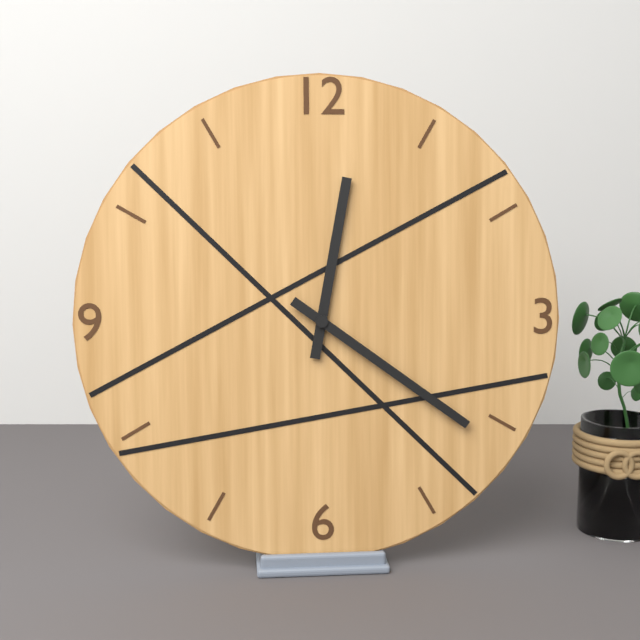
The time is h=12 m=21
